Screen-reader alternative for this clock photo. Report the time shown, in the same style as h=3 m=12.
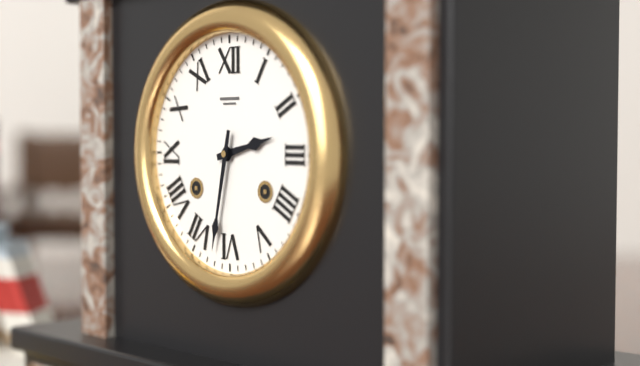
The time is h=2 m=32
